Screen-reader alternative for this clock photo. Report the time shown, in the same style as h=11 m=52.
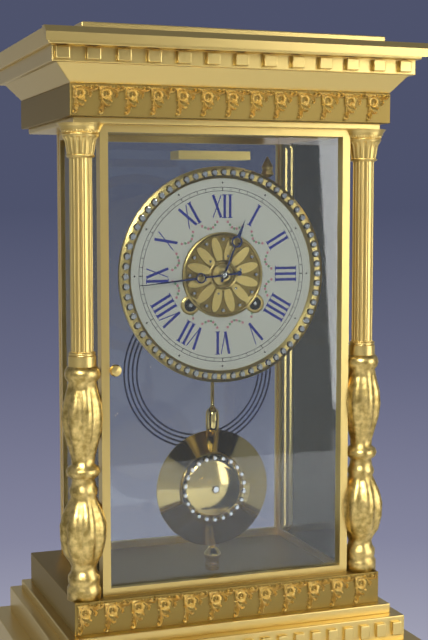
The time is h=12 m=44
